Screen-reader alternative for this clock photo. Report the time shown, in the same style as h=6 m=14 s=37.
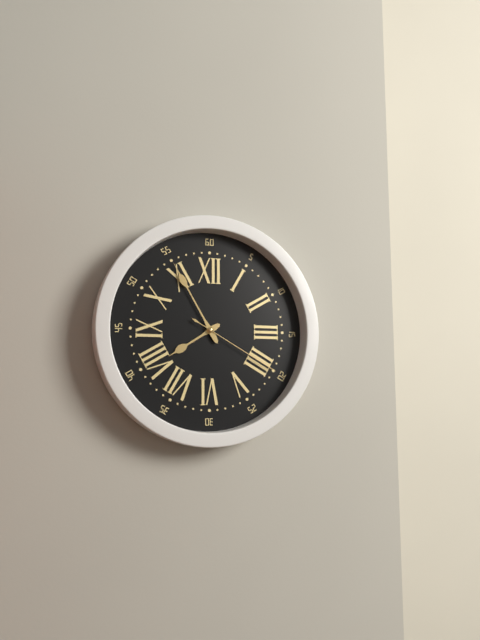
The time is h=7 m=55 s=20
